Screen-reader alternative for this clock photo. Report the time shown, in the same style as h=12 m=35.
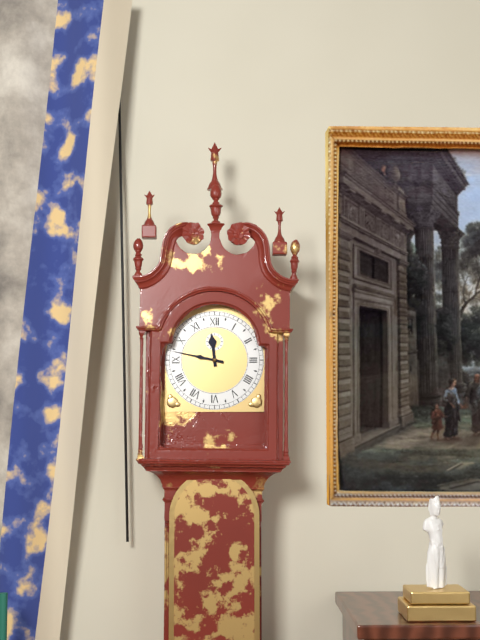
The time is h=11 m=47
